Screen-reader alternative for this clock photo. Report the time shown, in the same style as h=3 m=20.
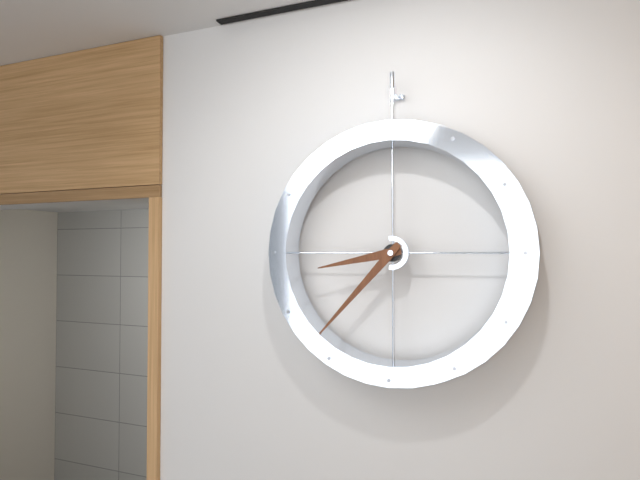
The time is h=8 m=37
